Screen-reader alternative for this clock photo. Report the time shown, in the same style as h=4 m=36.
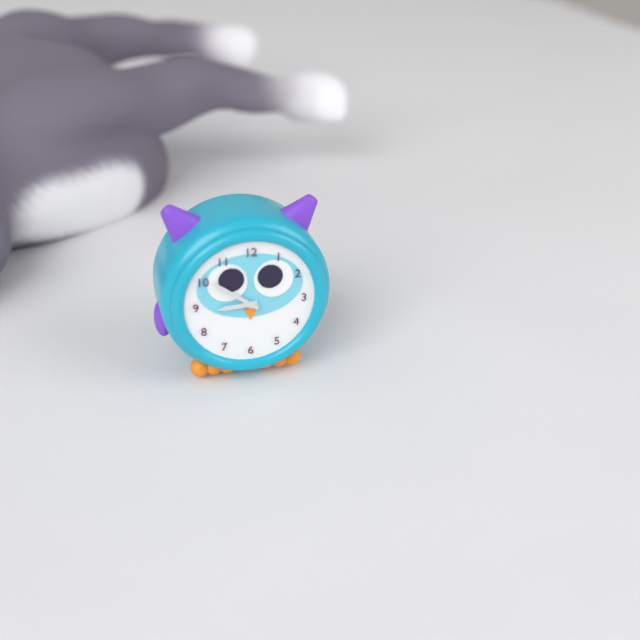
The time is h=8 m=51
